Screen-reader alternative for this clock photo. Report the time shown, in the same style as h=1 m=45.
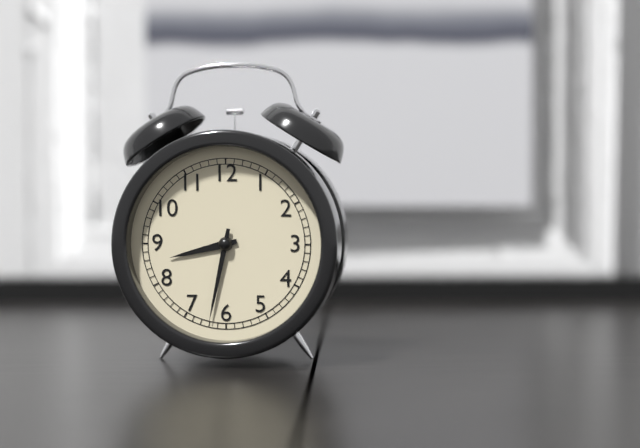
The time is h=8 m=32
